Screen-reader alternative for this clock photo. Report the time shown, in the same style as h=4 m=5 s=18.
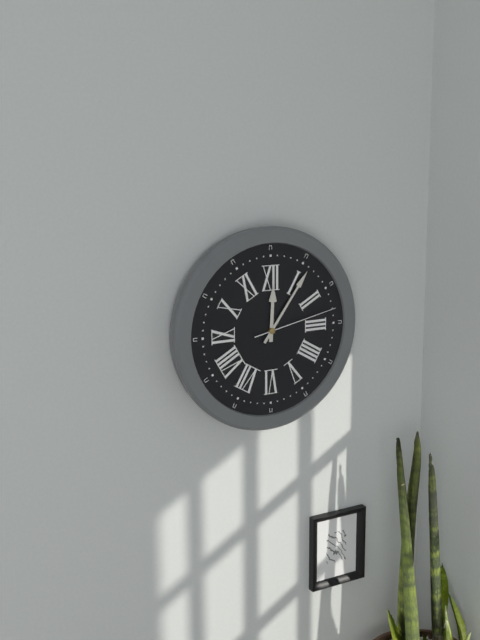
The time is h=12 m=6 s=13
